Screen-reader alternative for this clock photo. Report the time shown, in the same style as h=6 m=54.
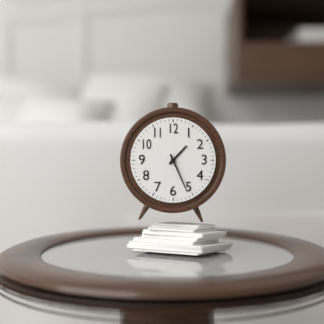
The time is h=1 m=26
